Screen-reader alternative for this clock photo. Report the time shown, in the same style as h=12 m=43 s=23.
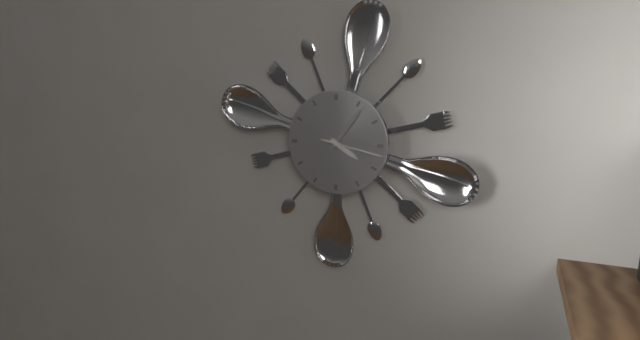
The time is h=4 m=6 s=17
